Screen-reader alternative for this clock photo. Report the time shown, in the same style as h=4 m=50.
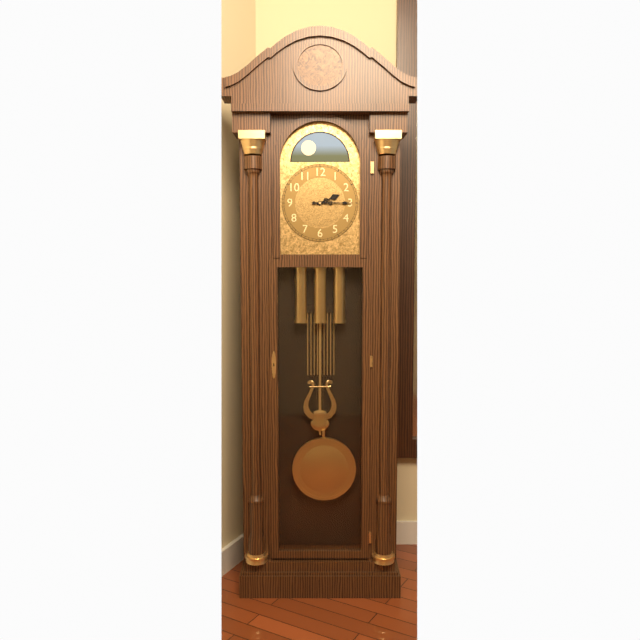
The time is h=2 m=15
